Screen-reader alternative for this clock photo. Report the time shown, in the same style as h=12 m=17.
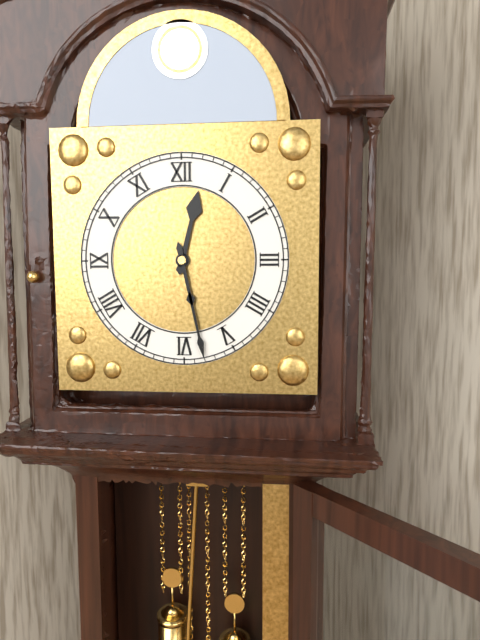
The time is h=12 m=28
